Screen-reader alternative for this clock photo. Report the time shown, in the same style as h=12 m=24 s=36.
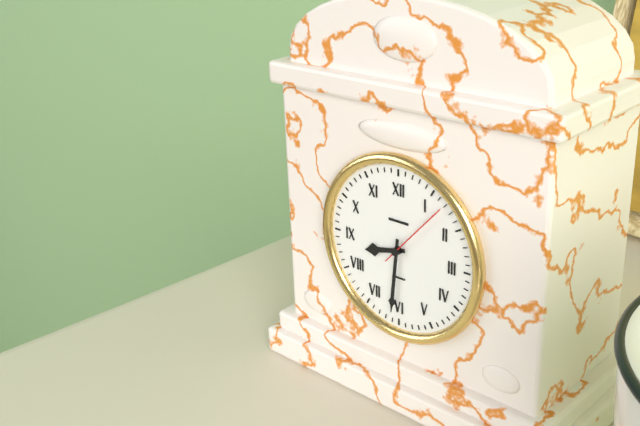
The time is h=8 m=31 s=7
